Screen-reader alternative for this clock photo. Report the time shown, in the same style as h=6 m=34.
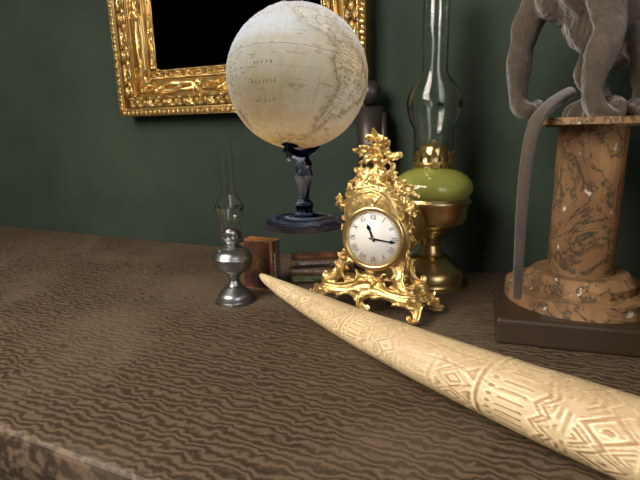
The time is h=11 m=16
